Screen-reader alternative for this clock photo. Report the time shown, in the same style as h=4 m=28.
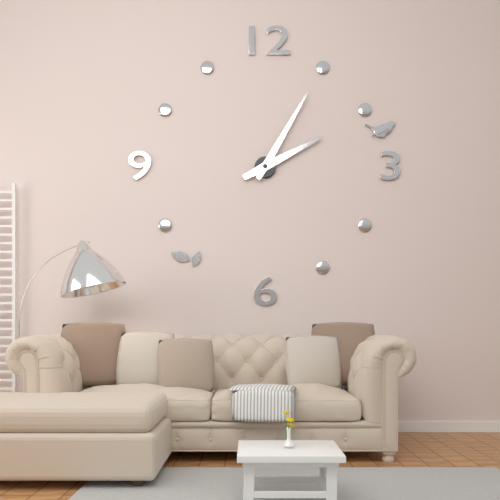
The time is h=2 m=5
